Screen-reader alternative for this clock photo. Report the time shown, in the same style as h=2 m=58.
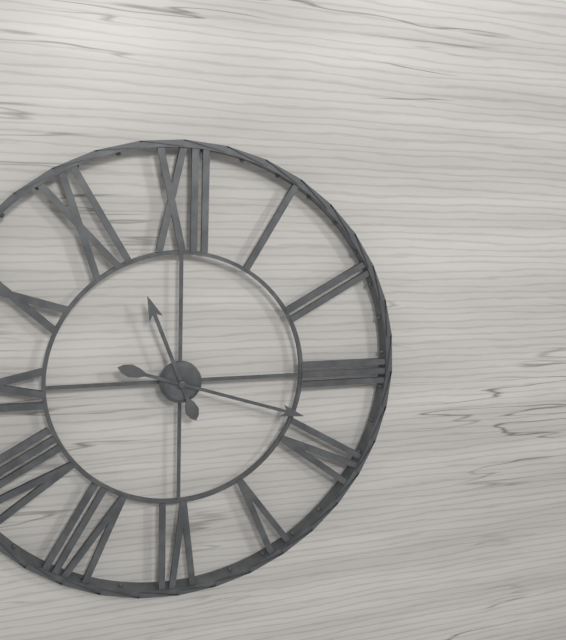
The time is h=11 m=18
